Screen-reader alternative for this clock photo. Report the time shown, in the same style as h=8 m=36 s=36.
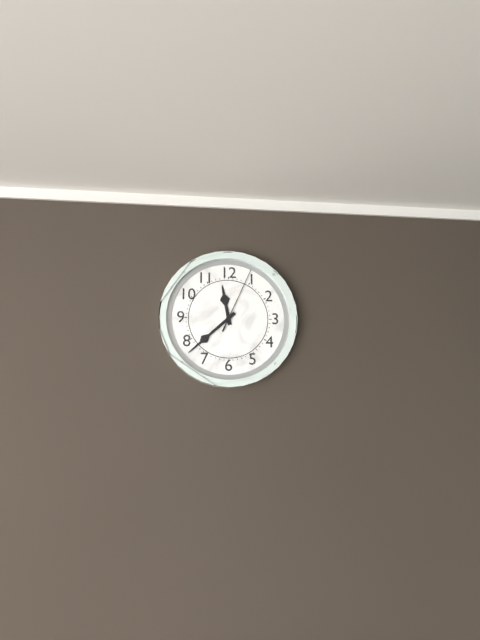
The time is h=11 m=38 s=4
